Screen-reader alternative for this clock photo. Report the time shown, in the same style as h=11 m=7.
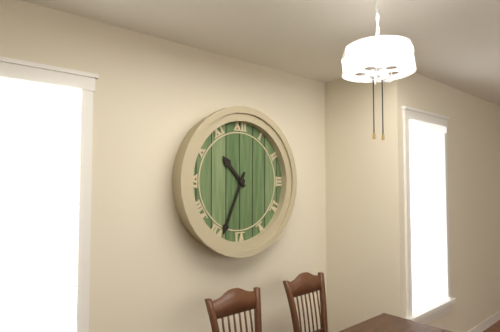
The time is h=10 m=34
